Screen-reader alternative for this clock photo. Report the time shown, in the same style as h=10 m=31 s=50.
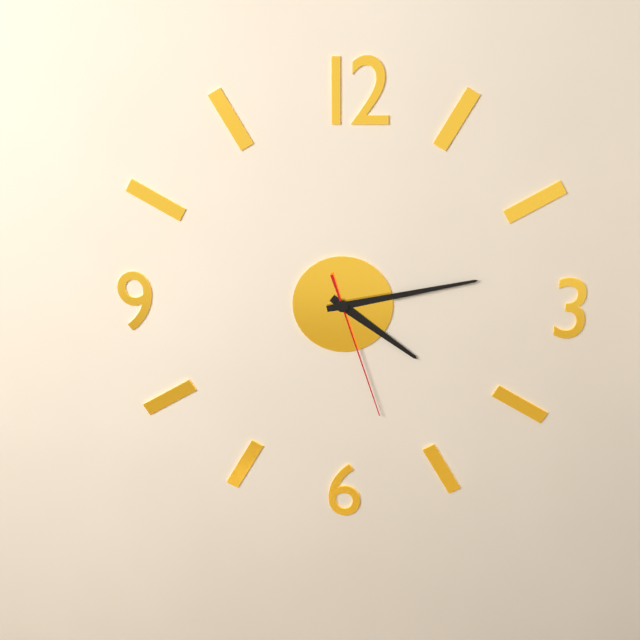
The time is h=4 m=13 s=27
